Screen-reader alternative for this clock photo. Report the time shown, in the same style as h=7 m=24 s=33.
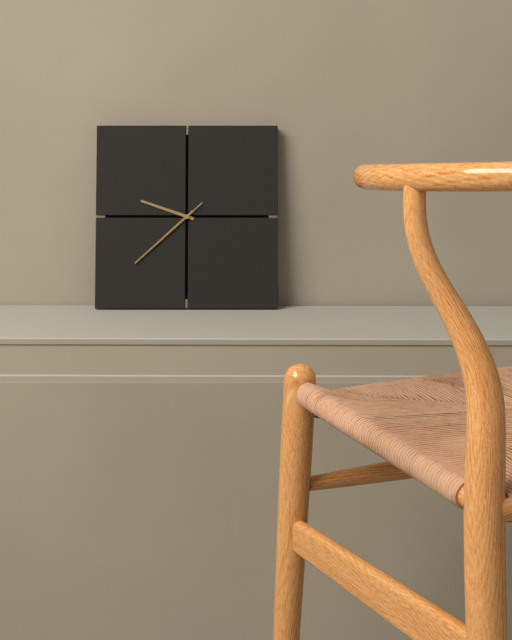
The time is h=9 m=38 s=38
